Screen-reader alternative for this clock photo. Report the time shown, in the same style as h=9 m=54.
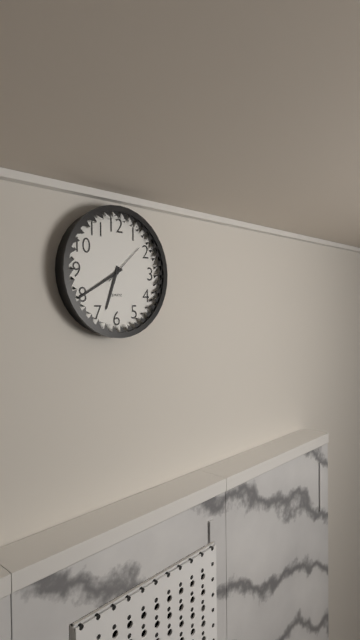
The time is h=6 m=40
